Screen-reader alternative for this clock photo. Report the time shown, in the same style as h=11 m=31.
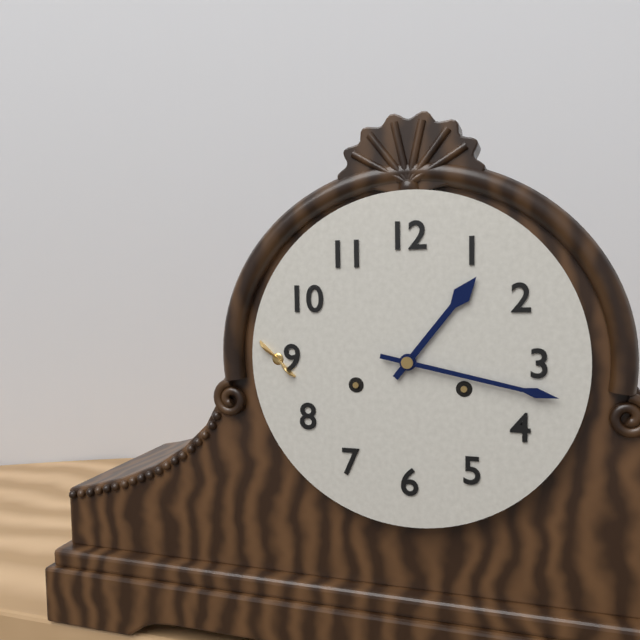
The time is h=1 m=17
